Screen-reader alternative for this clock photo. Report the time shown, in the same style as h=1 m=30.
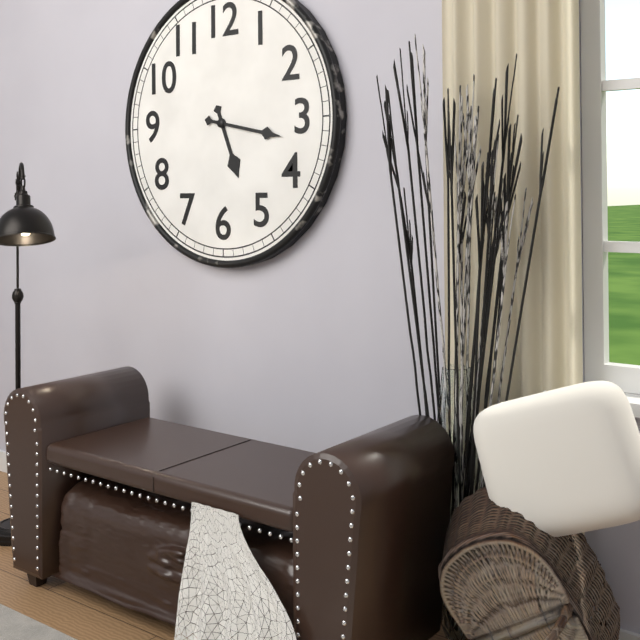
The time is h=5 m=17
